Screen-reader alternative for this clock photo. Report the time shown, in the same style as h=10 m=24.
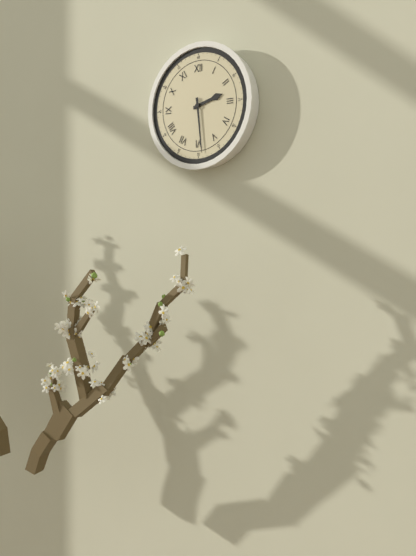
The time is h=2 m=29
